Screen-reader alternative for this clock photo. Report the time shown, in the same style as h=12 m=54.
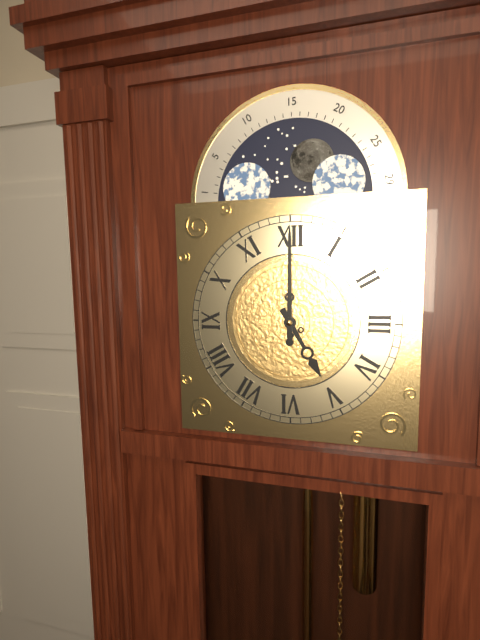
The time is h=5 m=0
